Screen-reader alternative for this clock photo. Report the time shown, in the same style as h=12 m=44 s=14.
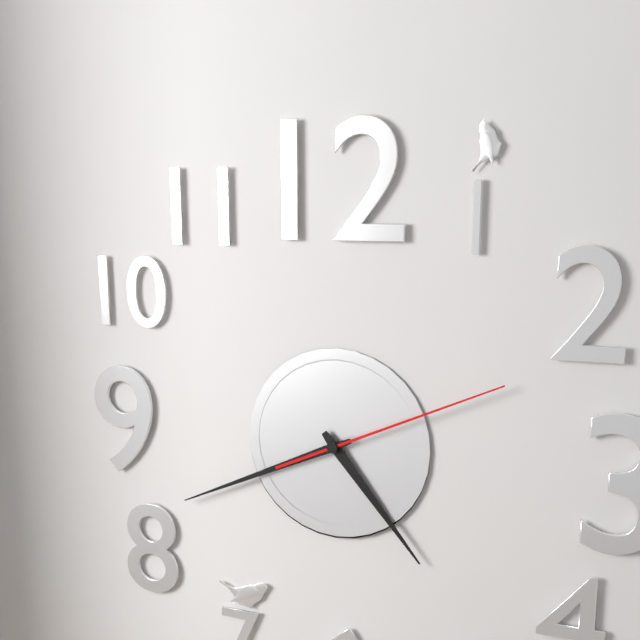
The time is h=4 m=41 s=11
